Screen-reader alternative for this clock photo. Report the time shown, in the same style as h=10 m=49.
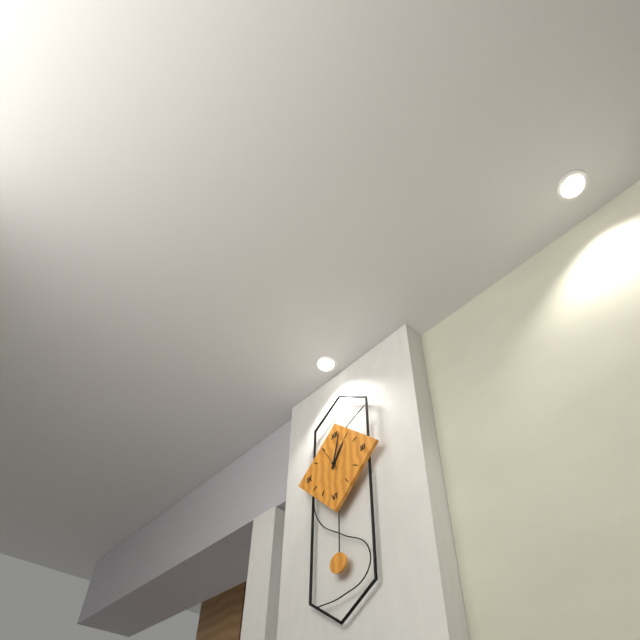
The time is h=1 m=2
